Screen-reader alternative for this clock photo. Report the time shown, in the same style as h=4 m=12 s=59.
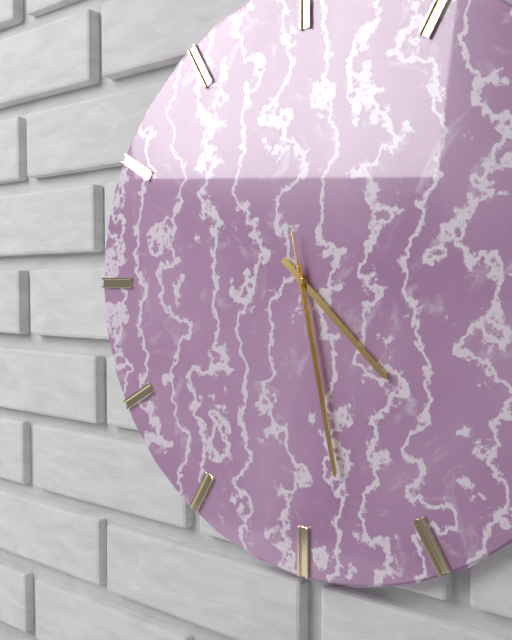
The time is h=4 m=28 s=28
